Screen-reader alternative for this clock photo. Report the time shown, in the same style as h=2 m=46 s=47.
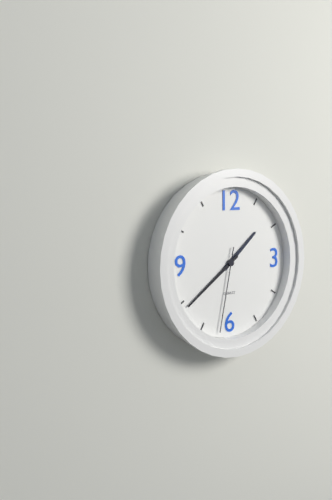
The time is h=1 m=39 s=32
